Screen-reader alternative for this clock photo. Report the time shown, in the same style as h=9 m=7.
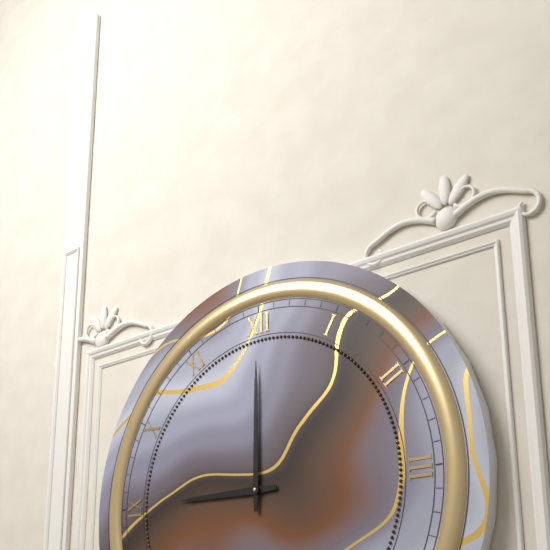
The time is h=9 m=0
